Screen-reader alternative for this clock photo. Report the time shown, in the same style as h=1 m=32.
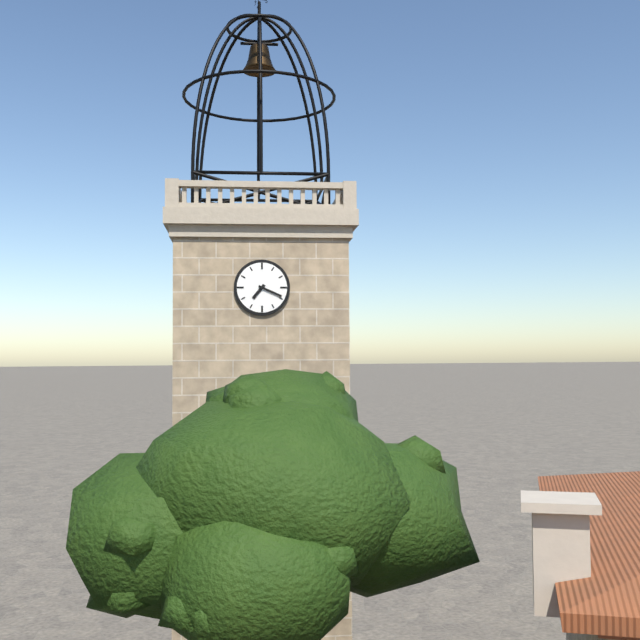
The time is h=7 m=19
